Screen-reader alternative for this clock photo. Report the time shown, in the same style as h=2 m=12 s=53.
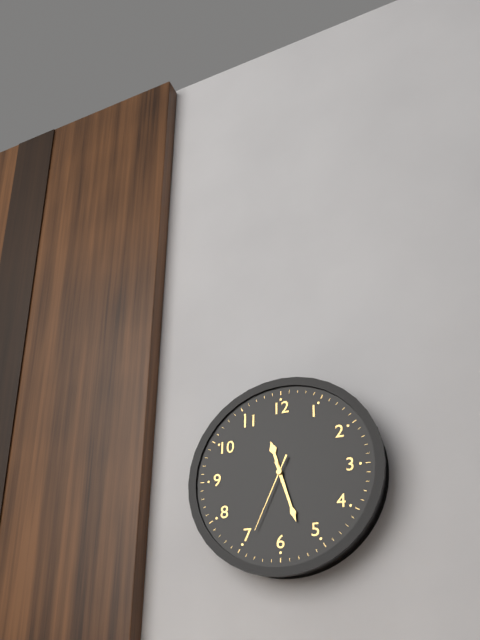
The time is h=11 m=27 s=34
